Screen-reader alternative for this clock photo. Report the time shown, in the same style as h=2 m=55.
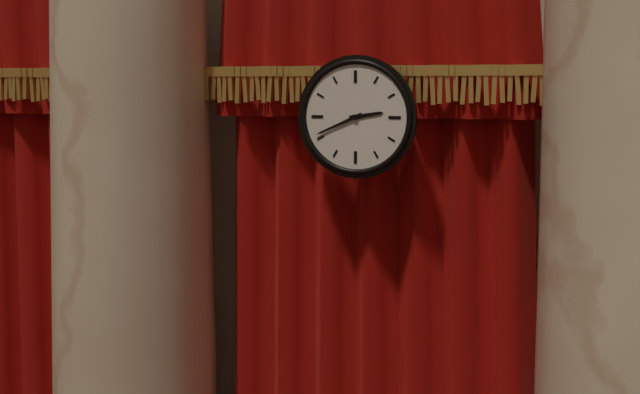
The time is h=2 m=41
